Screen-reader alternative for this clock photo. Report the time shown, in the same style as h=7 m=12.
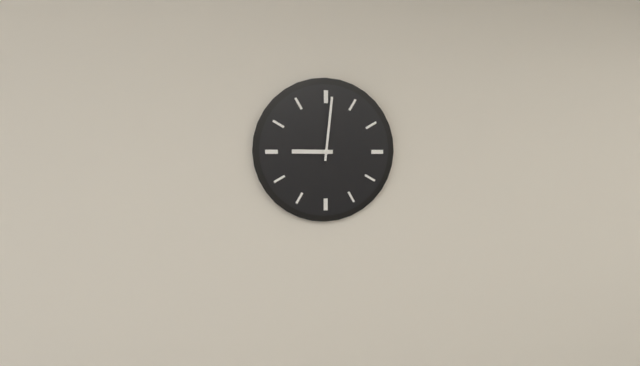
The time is h=9 m=1
